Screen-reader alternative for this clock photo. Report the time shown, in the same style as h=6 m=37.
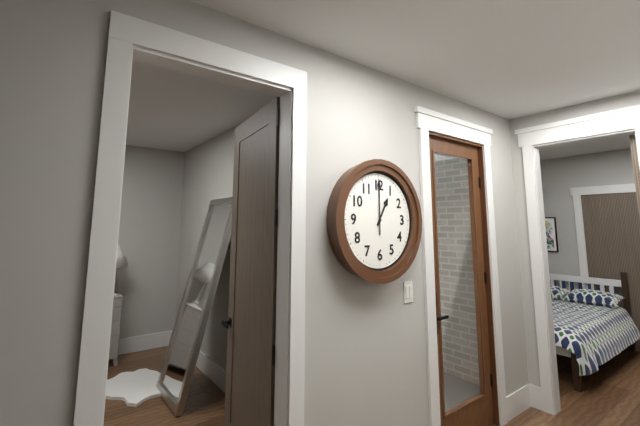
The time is h=1 m=0
